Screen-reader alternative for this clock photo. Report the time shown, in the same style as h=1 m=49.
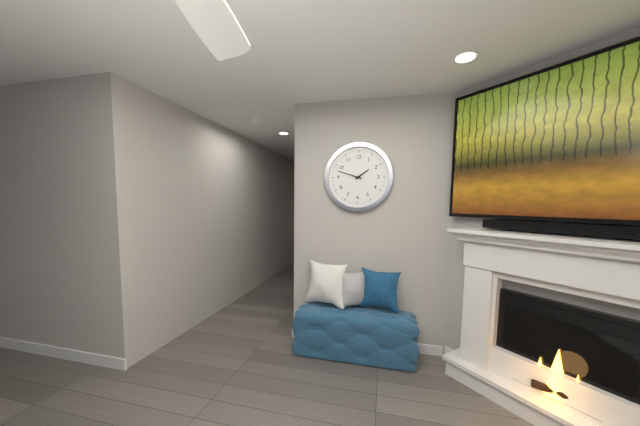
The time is h=1 m=48
